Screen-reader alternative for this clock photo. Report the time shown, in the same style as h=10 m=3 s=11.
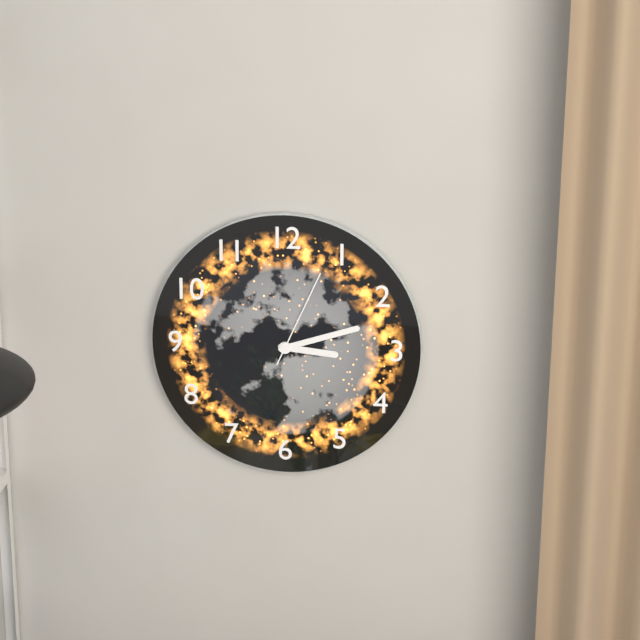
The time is h=3 m=12 s=4
